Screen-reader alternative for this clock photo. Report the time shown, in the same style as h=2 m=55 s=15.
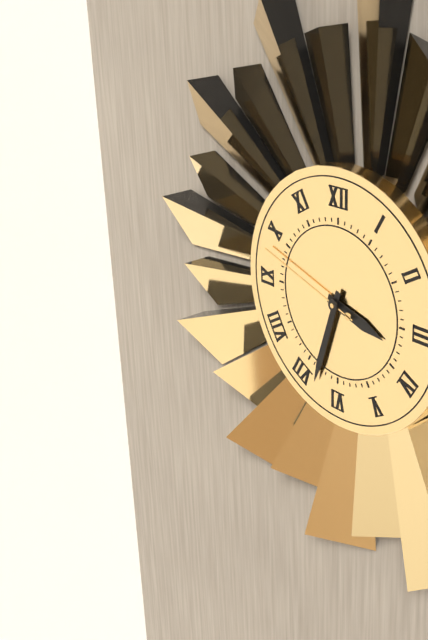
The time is h=3 m=33 s=48
